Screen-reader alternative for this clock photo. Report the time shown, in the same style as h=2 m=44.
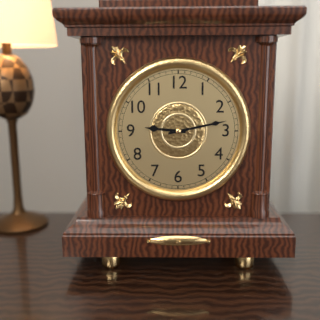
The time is h=9 m=13
